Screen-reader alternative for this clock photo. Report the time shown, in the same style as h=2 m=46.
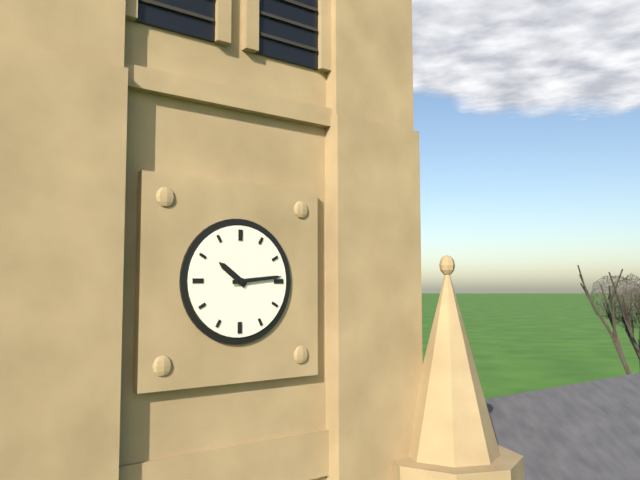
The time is h=10 m=14
